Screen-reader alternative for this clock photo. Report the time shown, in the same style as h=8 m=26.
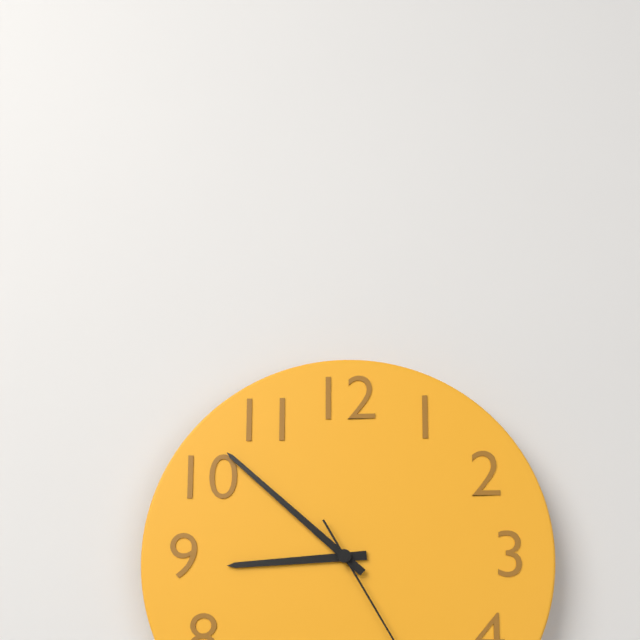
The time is h=8 m=52
